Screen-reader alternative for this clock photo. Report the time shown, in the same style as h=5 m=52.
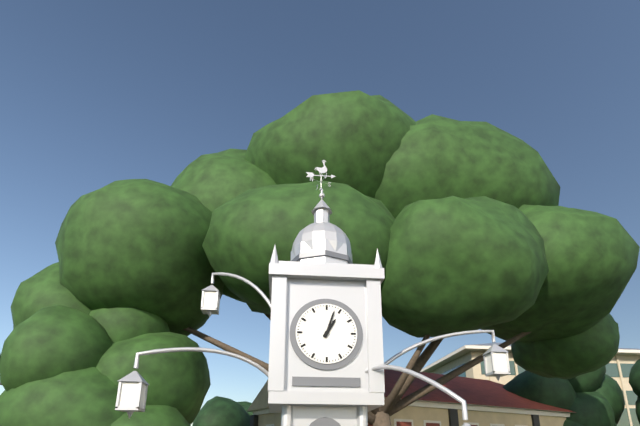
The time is h=1 m=3
